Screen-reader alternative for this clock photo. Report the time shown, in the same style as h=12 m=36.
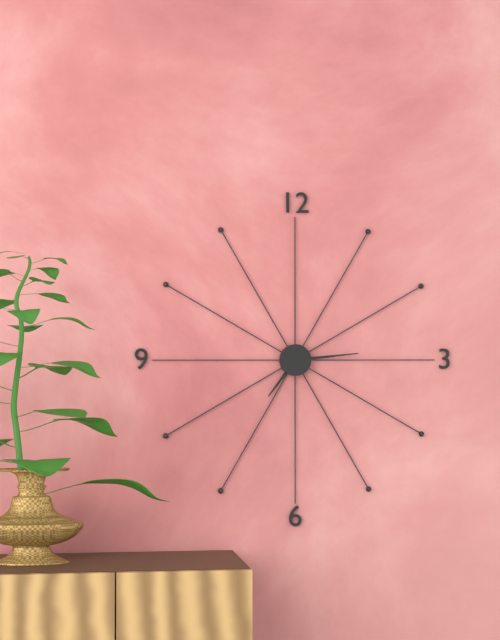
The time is h=7 m=14
